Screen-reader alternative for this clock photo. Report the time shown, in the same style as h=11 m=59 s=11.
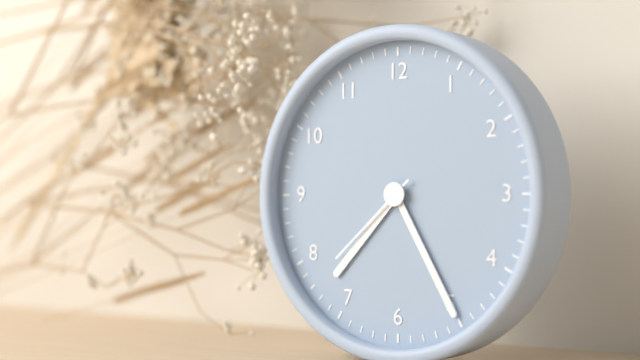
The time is h=7 m=25 s=38
